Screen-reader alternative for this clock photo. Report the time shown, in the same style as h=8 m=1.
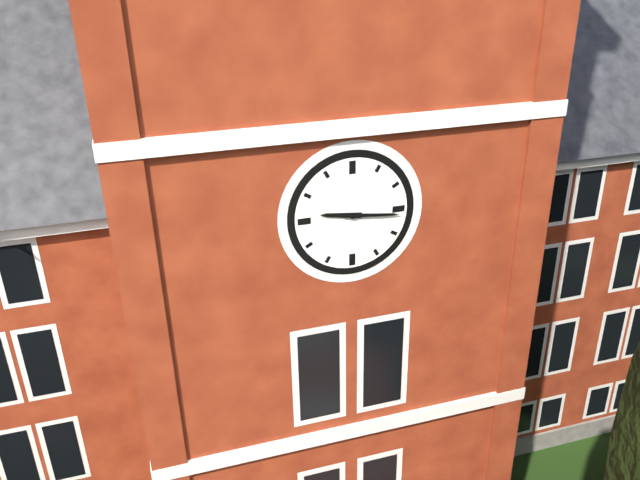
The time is h=9 m=16
